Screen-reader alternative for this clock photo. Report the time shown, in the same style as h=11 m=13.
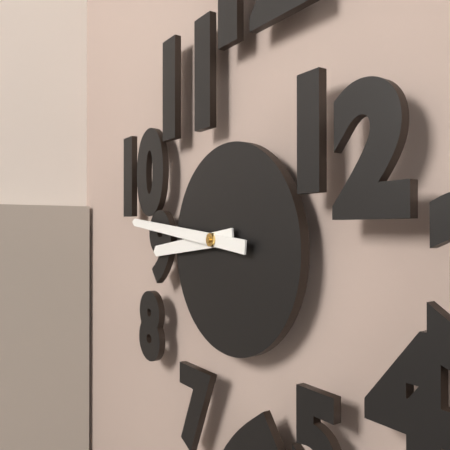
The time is h=8 m=46
